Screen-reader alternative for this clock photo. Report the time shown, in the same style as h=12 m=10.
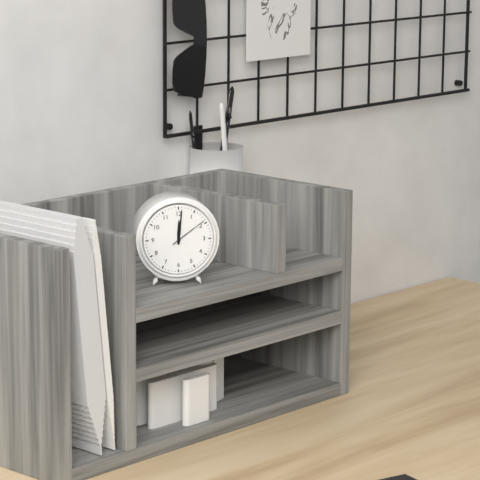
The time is h=12 m=1
